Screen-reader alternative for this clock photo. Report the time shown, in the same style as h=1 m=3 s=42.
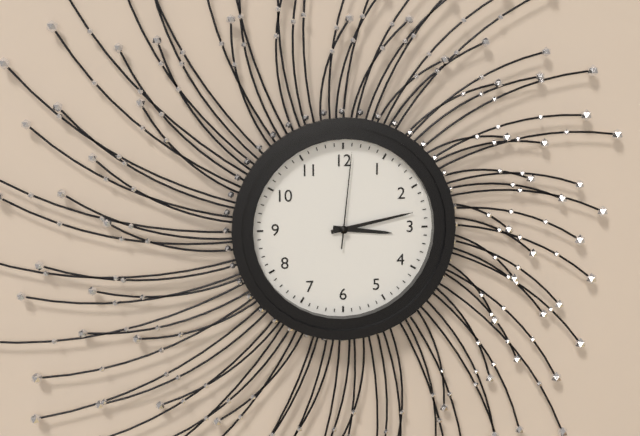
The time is h=3 m=13 s=1
